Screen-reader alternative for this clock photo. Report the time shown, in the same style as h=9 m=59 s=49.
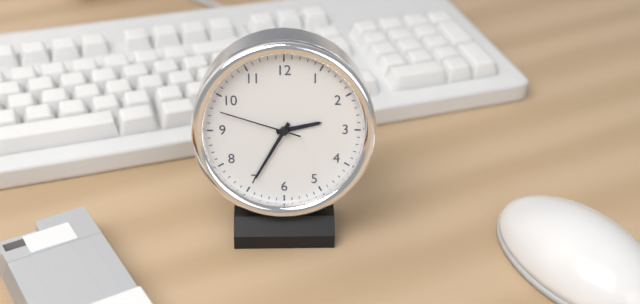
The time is h=2 m=35 s=48
